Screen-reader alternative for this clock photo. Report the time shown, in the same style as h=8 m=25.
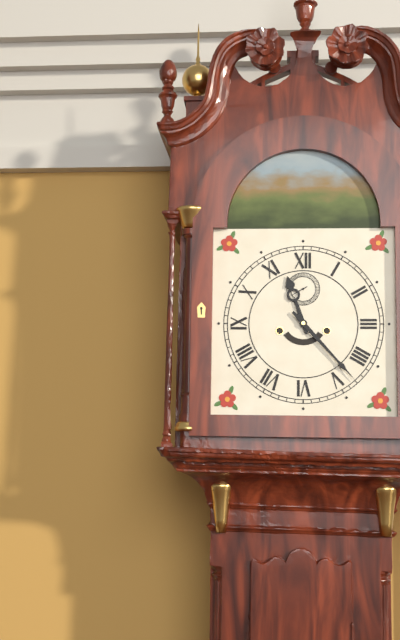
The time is h=11 m=23
